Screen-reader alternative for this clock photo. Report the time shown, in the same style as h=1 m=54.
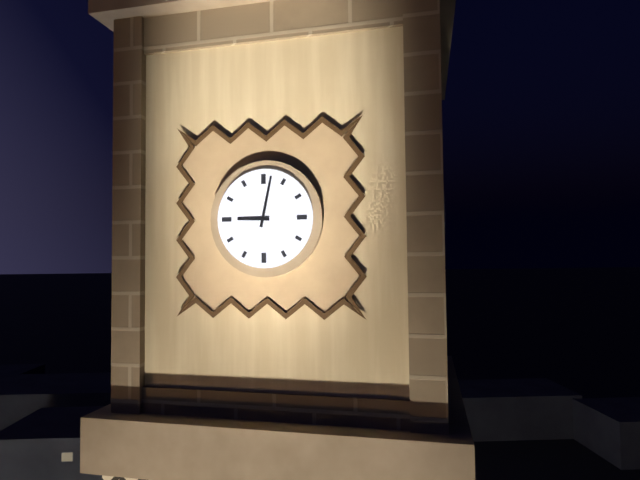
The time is h=9 m=2
